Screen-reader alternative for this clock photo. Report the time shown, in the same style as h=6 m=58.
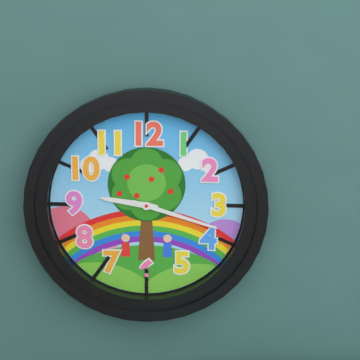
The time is h=9 m=18
